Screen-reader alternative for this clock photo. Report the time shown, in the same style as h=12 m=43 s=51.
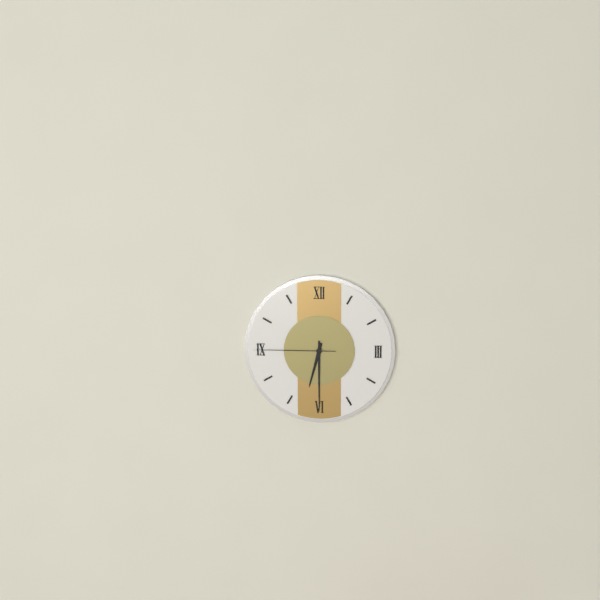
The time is h=6 m=30 s=45
